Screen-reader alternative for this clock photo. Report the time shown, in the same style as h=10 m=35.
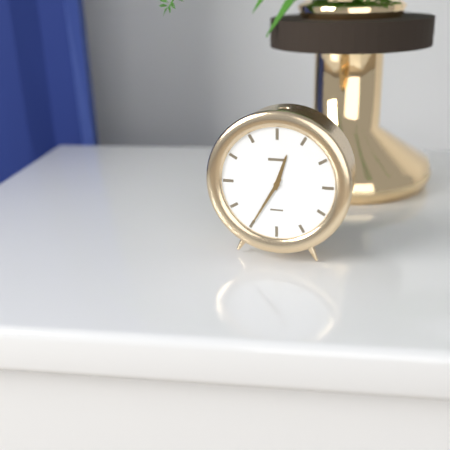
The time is h=12 m=35
